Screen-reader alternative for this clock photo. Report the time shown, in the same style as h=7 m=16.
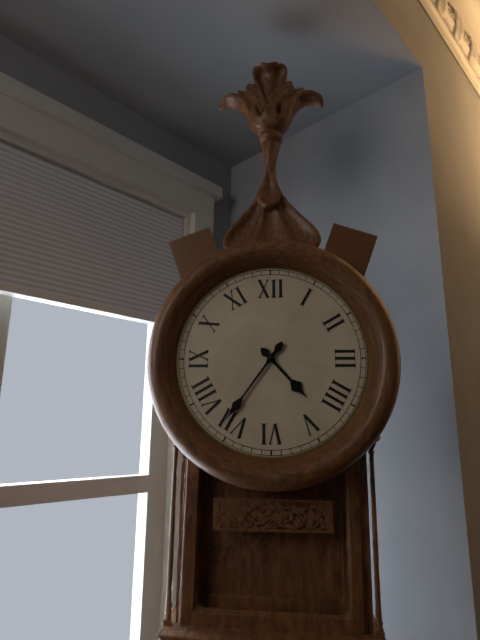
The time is h=4 m=36
